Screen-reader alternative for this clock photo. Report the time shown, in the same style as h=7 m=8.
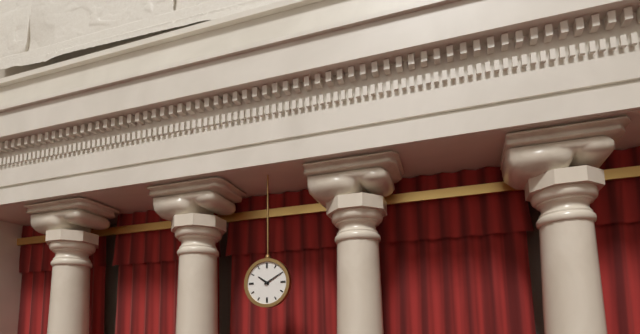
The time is h=10 m=10
